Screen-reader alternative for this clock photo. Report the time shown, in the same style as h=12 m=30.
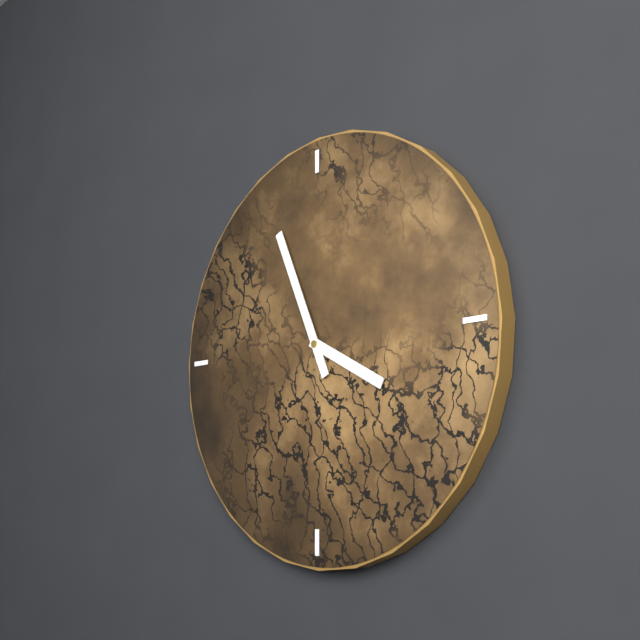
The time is h=3 m=56
